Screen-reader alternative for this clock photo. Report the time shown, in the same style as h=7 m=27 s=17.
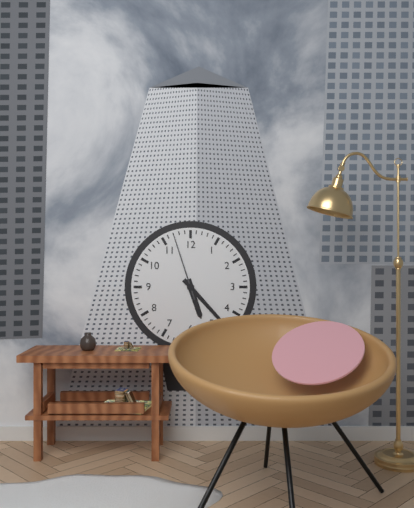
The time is h=5 m=23 s=57
